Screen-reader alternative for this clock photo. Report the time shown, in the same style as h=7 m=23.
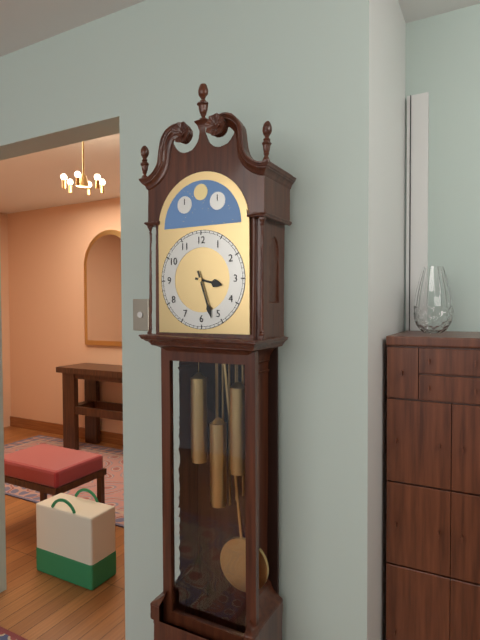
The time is h=3 m=27
